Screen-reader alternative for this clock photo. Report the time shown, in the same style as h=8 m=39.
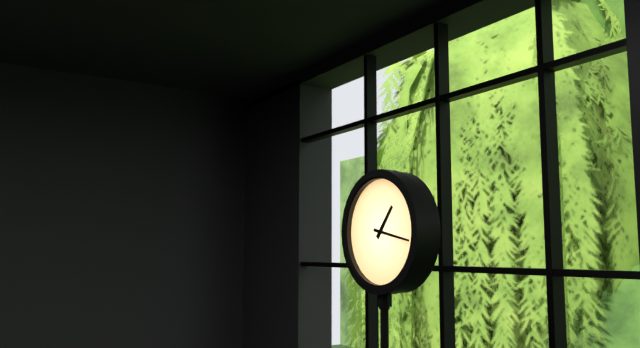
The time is h=1 m=17
